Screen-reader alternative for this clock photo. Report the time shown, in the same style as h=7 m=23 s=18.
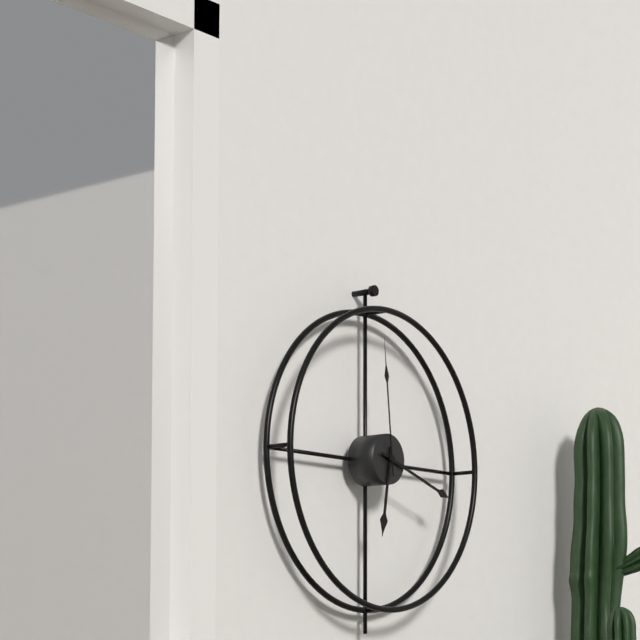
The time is h=6 m=18 s=59
